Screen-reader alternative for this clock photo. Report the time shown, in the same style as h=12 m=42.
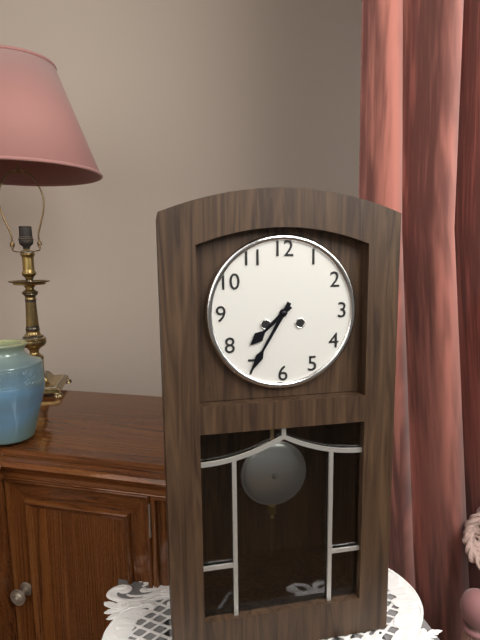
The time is h=7 m=35
